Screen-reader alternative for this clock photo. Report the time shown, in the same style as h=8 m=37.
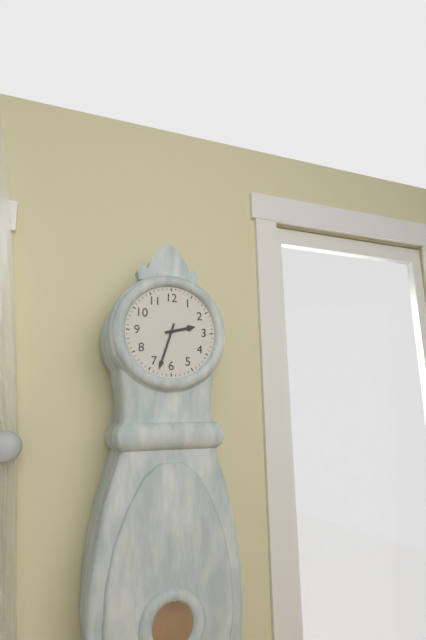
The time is h=2 m=33
